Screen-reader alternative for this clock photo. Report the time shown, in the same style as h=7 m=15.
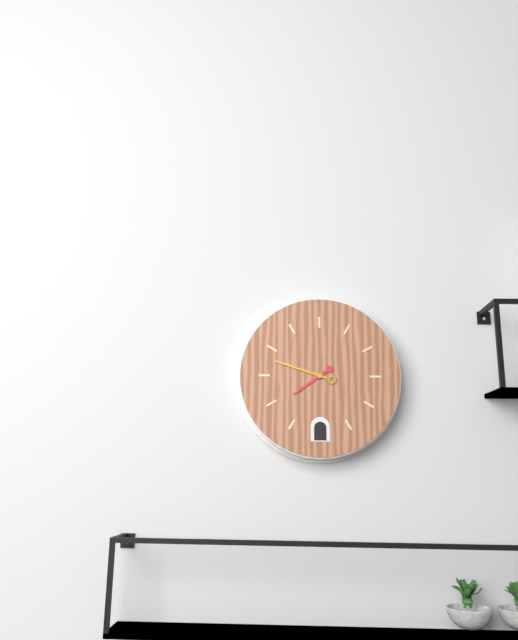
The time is h=7 m=48
